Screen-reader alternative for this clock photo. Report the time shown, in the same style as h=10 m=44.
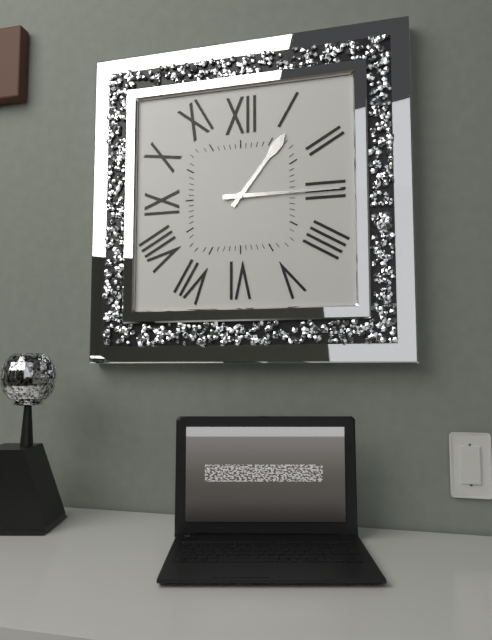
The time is h=1 m=15
